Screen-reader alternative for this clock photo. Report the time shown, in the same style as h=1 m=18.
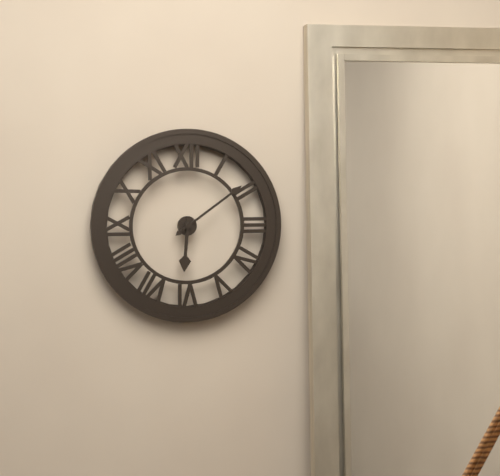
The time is h=6 m=9
